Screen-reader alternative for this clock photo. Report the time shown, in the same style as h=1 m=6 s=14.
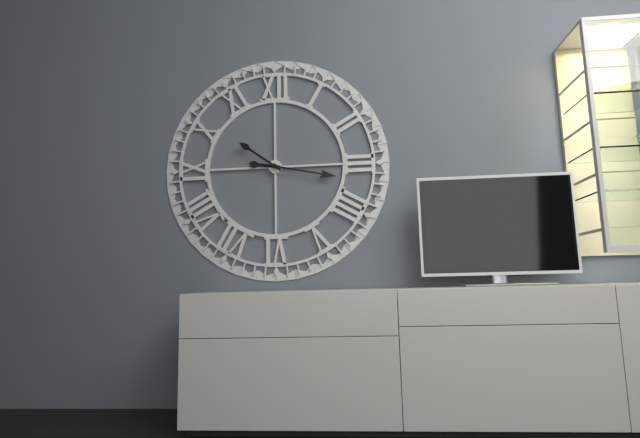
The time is h=9 m=17 s=51
